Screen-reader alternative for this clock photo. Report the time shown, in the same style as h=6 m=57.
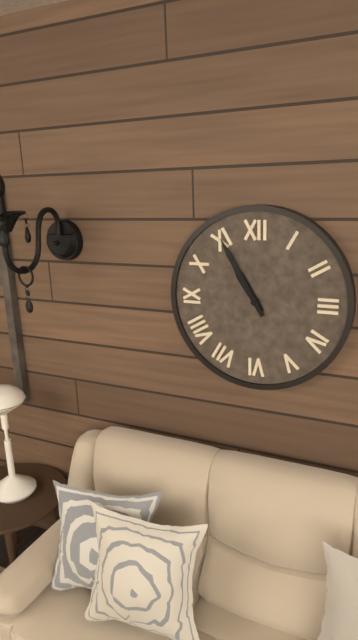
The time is h=10 m=55
